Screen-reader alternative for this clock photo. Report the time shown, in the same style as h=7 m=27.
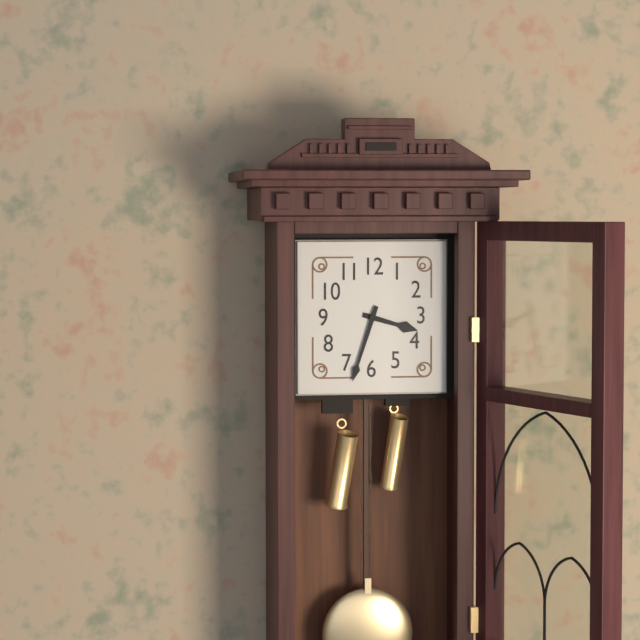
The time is h=3 m=33
